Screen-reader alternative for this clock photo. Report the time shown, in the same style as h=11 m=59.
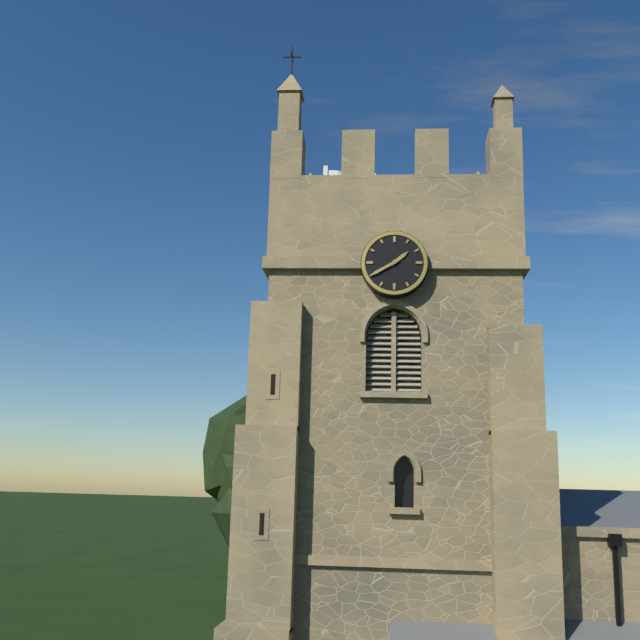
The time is h=1 m=40
